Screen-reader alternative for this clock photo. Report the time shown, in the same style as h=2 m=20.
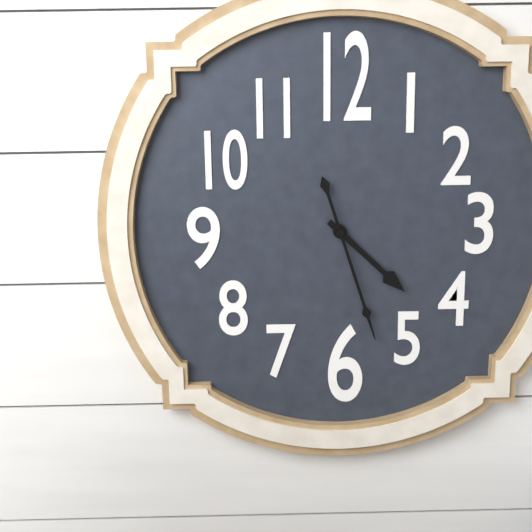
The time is h=4 m=27
